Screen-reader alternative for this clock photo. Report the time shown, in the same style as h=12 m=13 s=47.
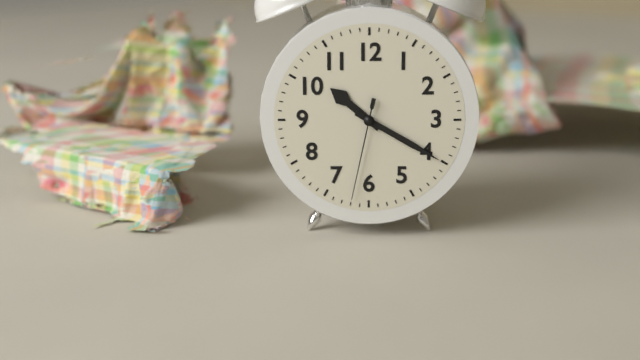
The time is h=10 m=20 s=32
